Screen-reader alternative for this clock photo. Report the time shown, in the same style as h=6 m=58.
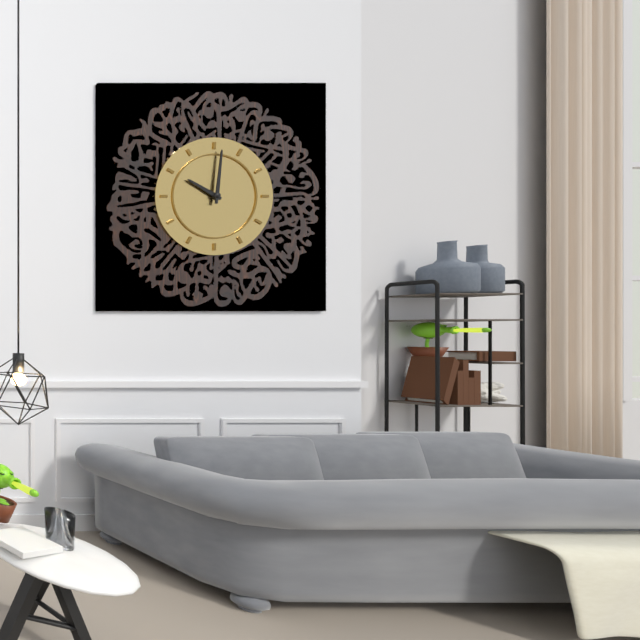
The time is h=10 m=1
